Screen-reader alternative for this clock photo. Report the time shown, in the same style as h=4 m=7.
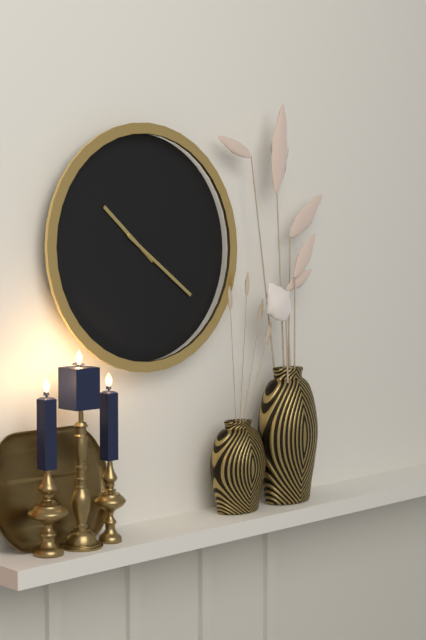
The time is h=10 m=21
